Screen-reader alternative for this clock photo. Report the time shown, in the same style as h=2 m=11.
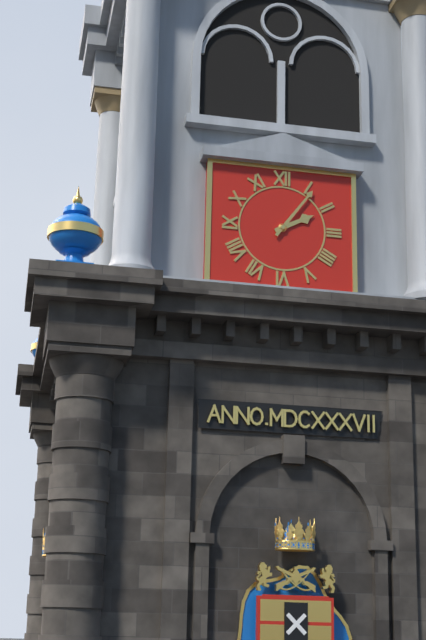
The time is h=2 m=6
